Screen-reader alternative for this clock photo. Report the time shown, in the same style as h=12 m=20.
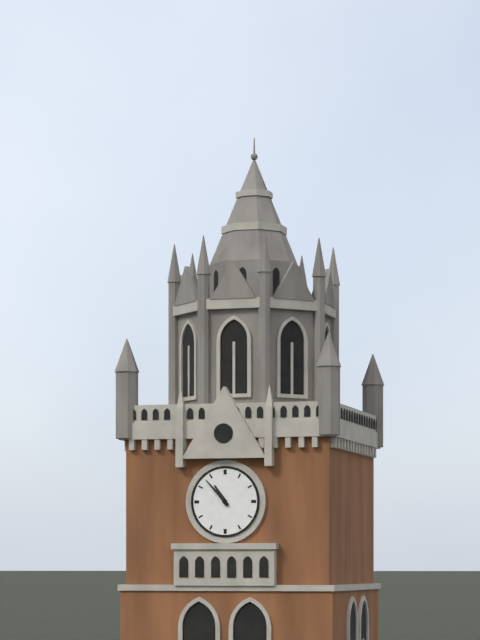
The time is h=10 m=53
